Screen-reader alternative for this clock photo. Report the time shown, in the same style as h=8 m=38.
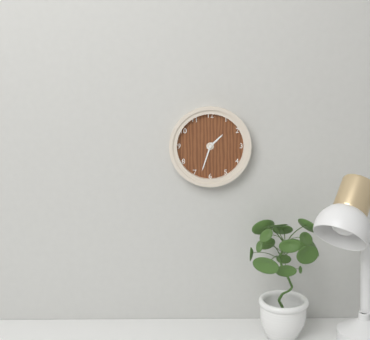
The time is h=1 m=33
